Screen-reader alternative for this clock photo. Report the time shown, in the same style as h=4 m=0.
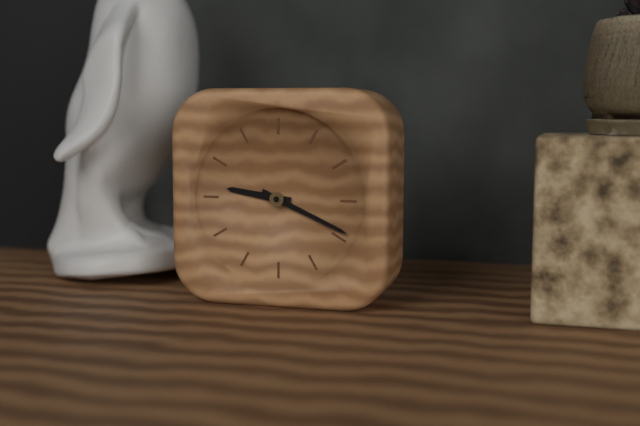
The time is h=9 m=19
